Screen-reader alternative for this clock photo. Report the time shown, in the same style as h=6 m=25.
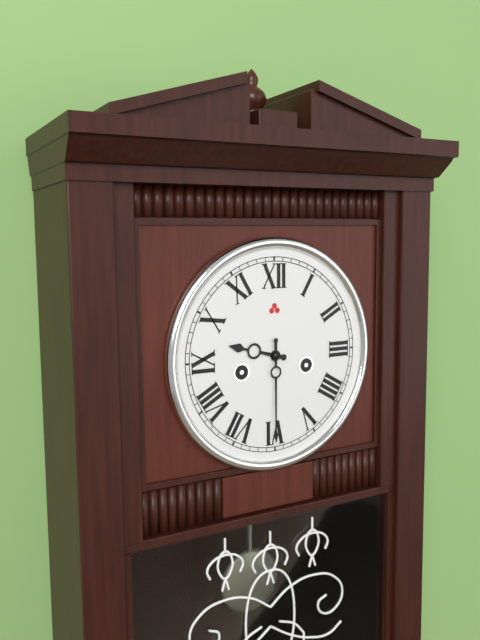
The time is h=9 m=30
